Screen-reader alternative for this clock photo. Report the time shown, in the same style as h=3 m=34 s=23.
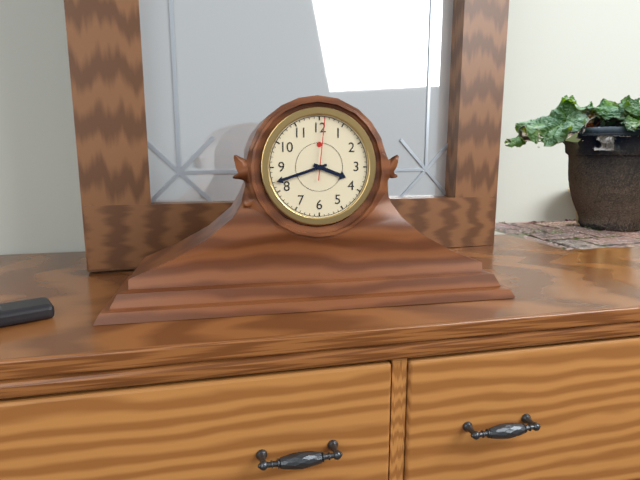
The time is h=3 m=42 s=1
